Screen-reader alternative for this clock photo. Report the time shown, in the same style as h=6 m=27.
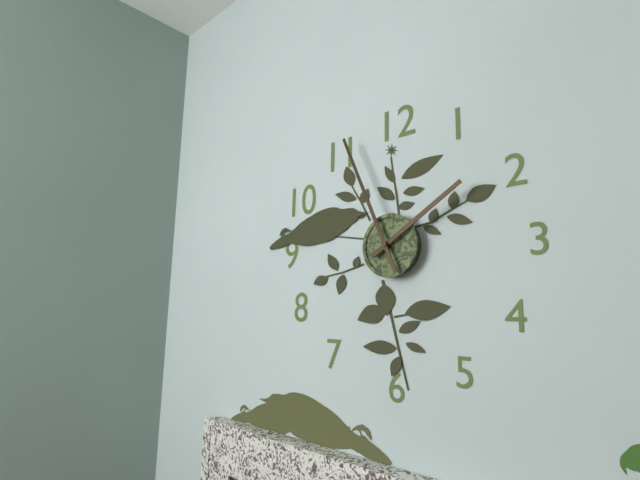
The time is h=1 m=56
